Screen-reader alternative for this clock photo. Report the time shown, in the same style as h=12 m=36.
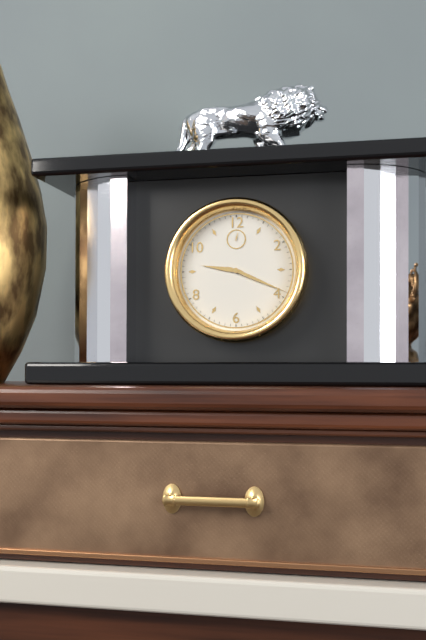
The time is h=9 m=19
